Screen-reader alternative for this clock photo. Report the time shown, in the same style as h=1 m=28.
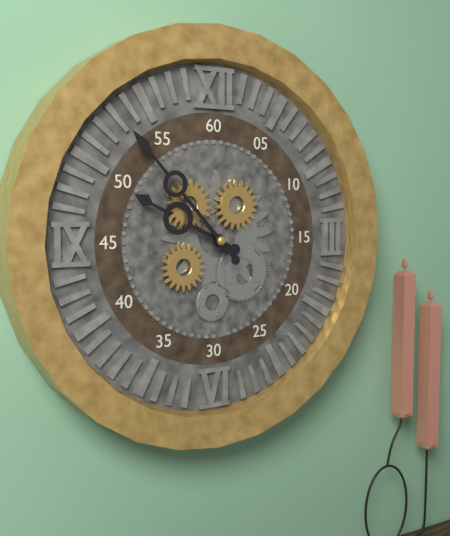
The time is h=9 m=53
